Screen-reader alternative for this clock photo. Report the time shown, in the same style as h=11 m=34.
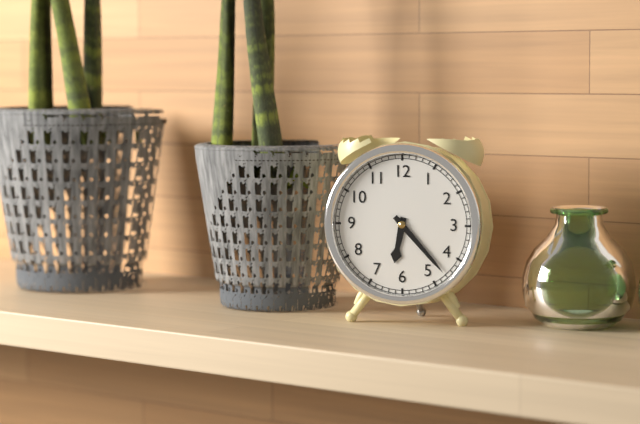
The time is h=6 m=23
